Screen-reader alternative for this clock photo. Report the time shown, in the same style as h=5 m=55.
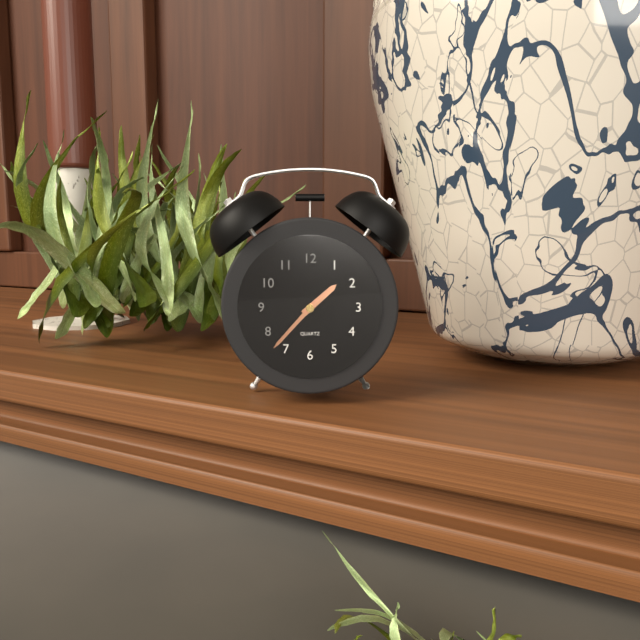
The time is h=1 m=37
